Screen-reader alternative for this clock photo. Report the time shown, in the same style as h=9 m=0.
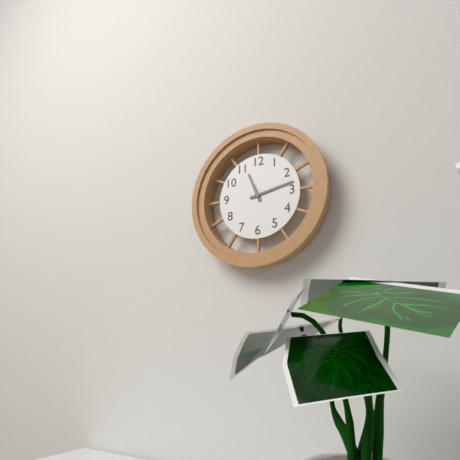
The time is h=11 m=13
